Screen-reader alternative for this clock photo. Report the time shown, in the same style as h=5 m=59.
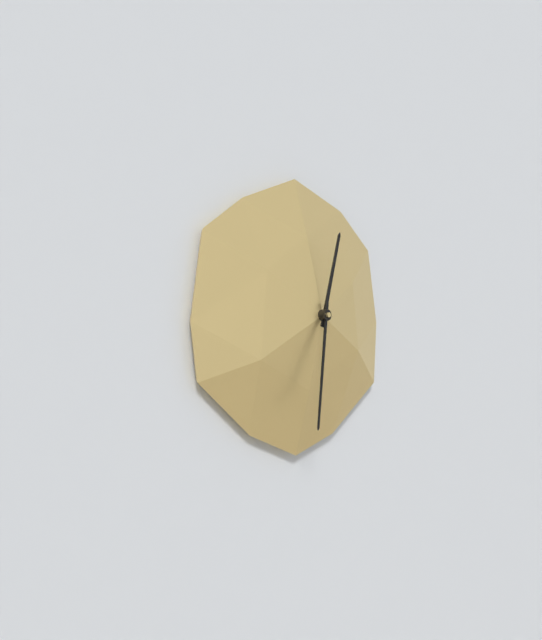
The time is h=12 m=31
